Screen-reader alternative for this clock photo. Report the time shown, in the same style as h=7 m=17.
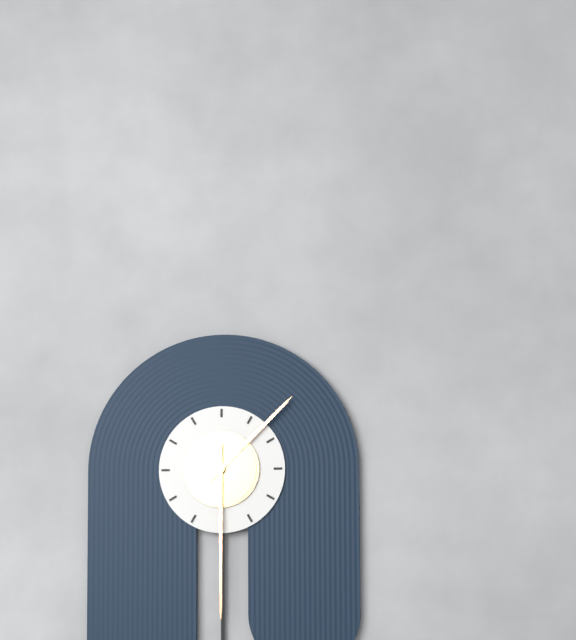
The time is h=1 m=30
